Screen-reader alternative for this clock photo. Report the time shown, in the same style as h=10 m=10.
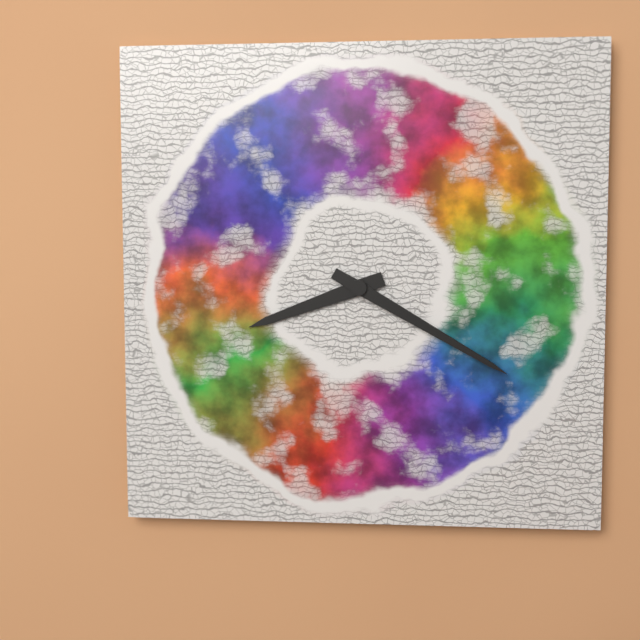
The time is h=8 m=20
